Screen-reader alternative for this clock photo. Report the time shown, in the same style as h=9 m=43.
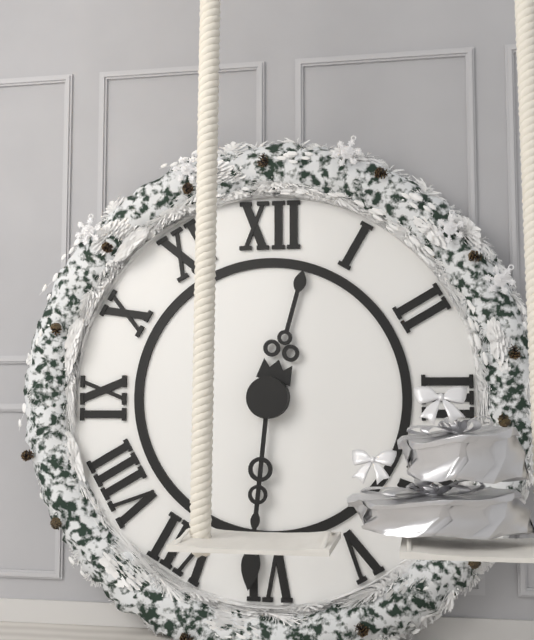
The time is h=12 m=31
